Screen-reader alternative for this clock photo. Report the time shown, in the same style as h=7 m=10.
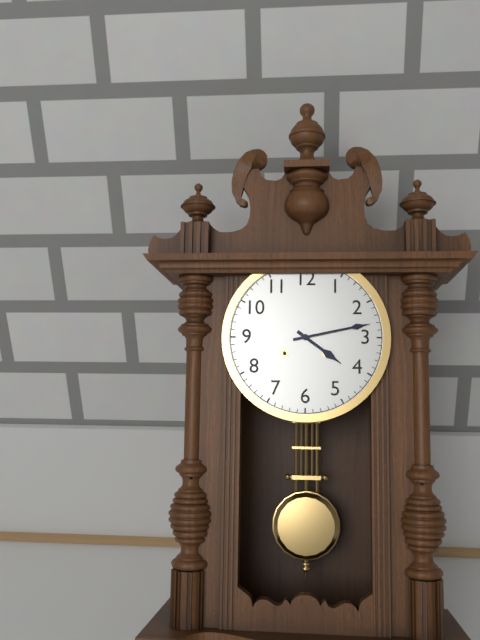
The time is h=4 m=13
